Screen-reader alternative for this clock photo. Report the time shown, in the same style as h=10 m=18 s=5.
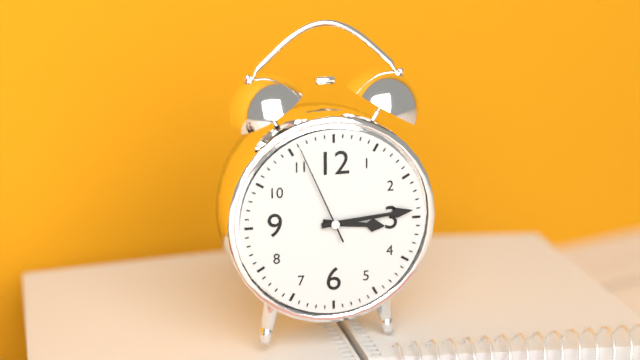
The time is h=3 m=14 s=56
